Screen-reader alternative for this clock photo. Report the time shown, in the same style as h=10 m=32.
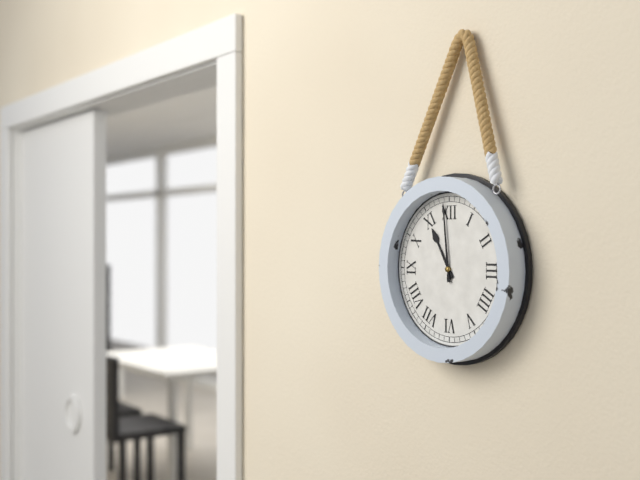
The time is h=10 m=59
